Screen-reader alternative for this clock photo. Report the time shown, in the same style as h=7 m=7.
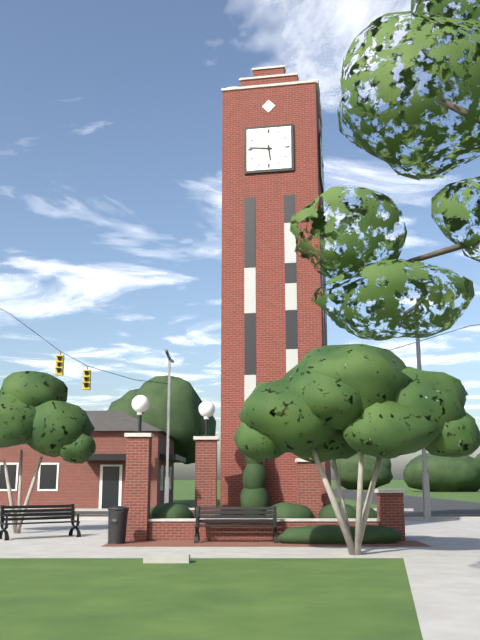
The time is h=5 m=46
